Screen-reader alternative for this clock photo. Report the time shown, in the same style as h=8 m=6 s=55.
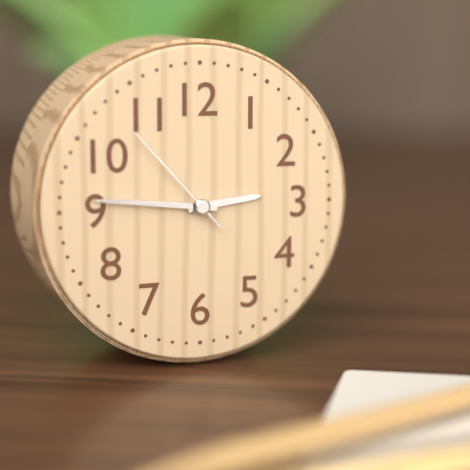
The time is h=2 m=46 s=53
